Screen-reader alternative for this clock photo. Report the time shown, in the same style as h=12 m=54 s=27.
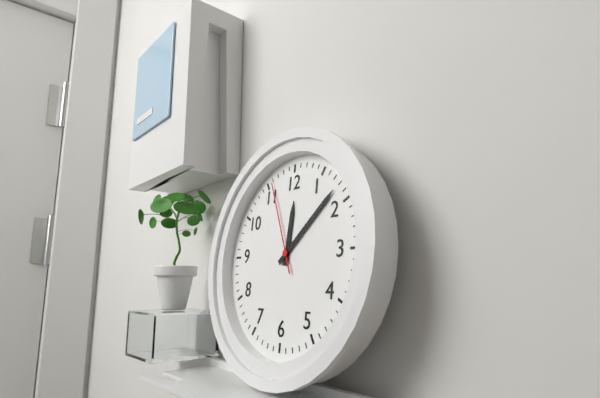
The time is h=12 m=8 s=56
